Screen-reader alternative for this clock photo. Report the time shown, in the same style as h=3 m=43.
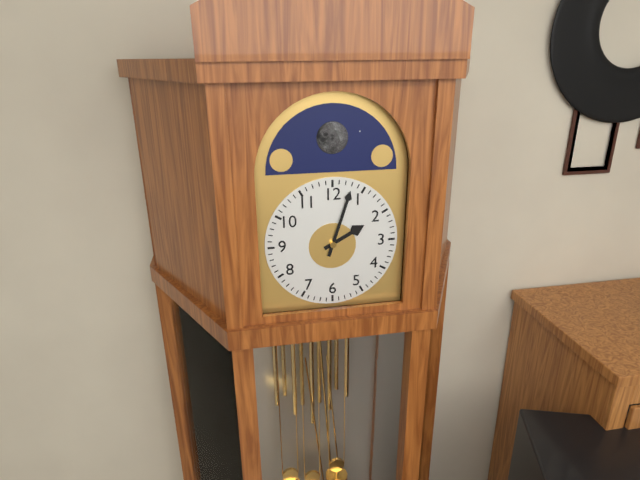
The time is h=2 m=3
